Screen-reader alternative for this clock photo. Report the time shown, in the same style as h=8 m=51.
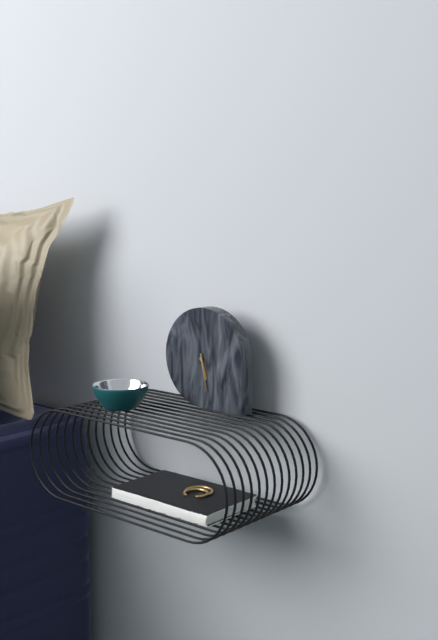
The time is h=5 m=28
